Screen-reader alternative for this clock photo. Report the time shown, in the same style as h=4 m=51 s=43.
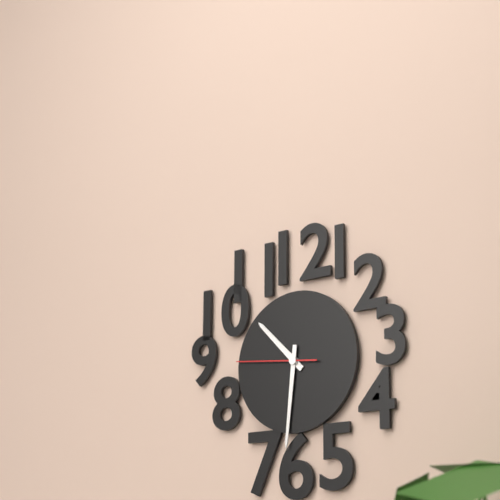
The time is h=10 m=31 s=46
